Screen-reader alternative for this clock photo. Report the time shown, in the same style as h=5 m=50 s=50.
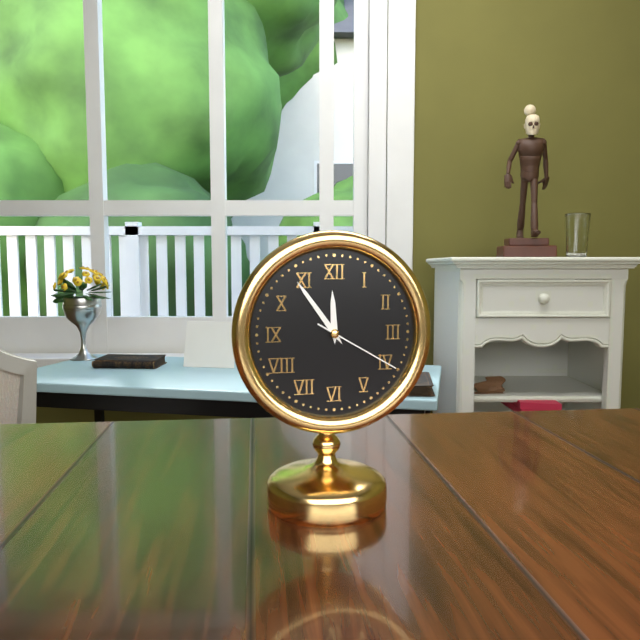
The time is h=11 m=54 s=20
